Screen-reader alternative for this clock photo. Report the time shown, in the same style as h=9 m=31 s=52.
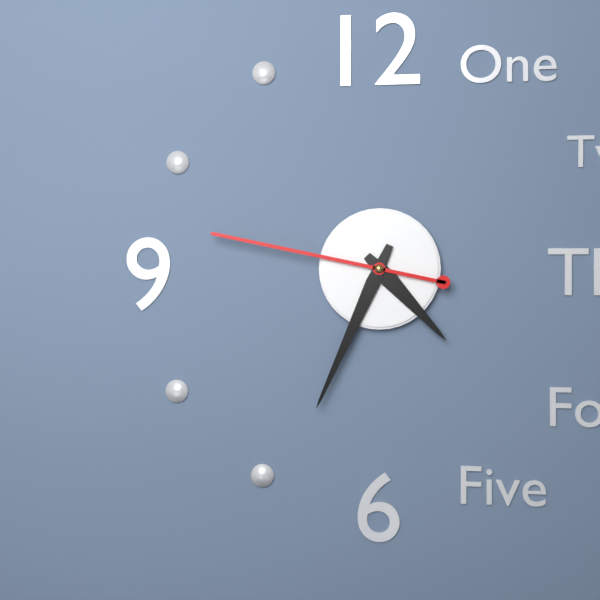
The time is h=4 m=34 s=47
